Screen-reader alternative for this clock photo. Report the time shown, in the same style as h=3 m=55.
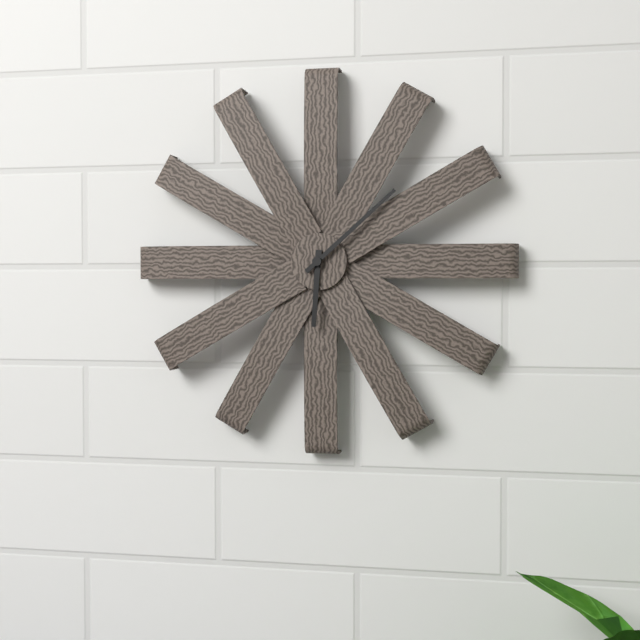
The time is h=6 m=8
